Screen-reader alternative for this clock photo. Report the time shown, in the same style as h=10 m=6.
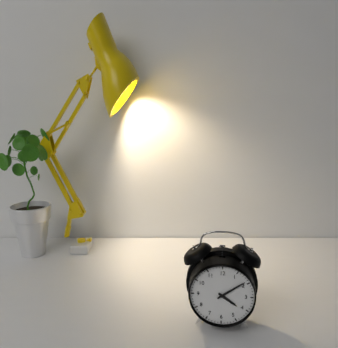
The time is h=4 m=9
